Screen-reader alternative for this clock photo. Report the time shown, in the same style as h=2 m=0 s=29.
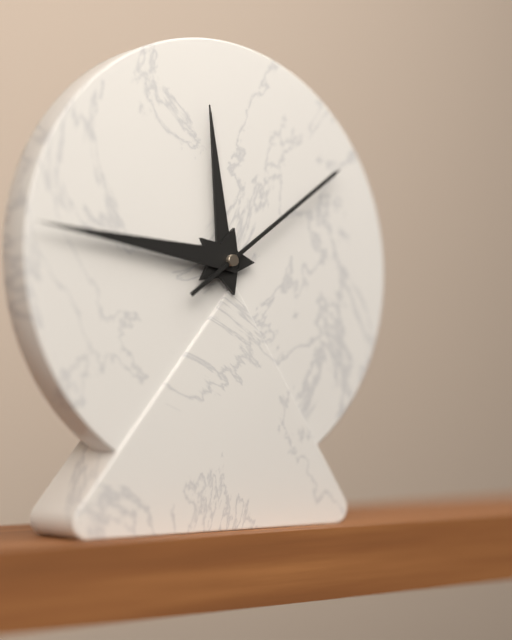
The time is h=11 m=46 s=9
